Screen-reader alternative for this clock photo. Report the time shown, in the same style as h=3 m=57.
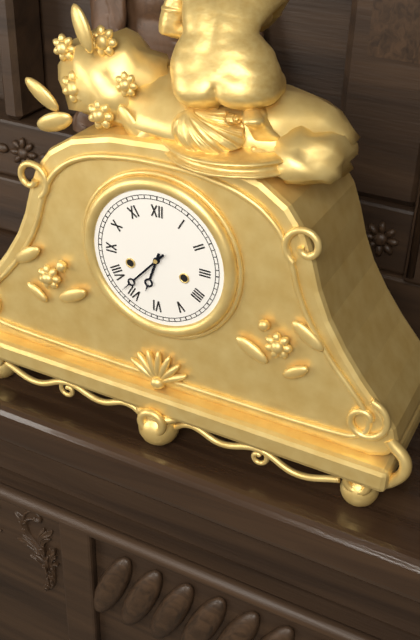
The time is h=6 m=37
